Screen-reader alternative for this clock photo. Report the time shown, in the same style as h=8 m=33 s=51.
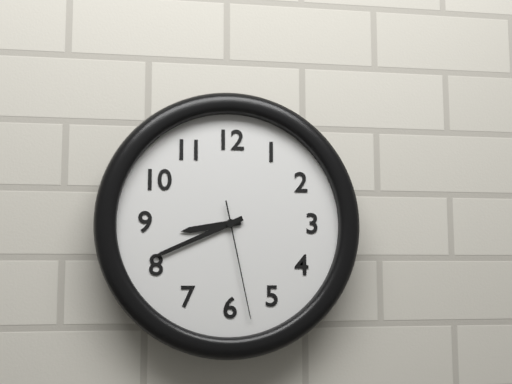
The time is h=8 m=41 s=28
